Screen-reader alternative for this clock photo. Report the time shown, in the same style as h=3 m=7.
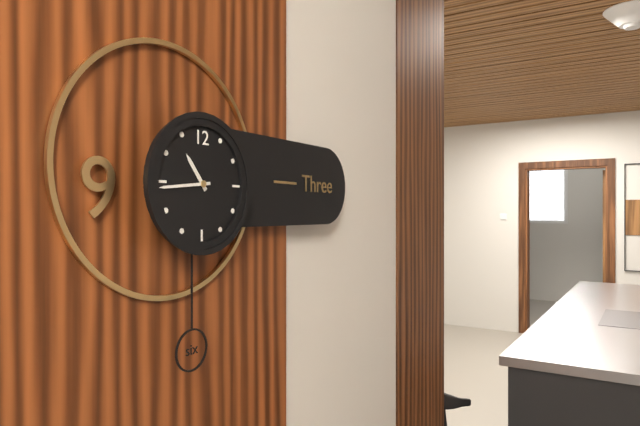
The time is h=10 m=44
